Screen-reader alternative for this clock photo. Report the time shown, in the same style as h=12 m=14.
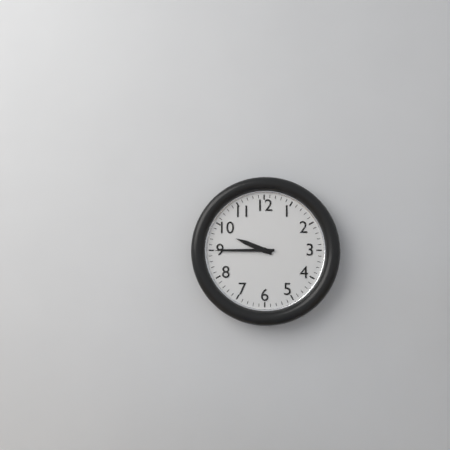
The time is h=9 m=45
